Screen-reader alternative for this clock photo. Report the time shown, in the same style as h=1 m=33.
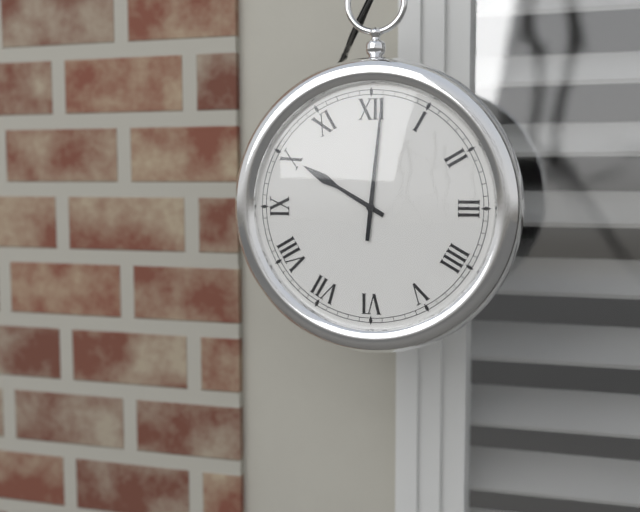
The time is h=10 m=1
